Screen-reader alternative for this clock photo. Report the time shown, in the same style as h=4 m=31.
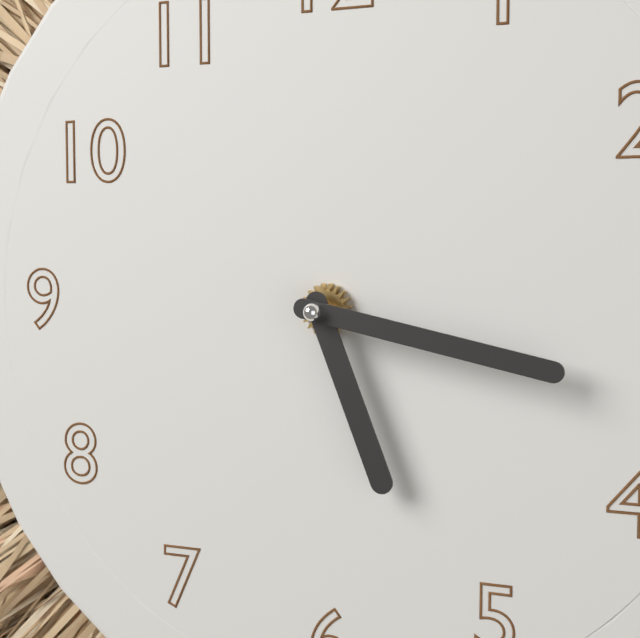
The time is h=5 m=17
